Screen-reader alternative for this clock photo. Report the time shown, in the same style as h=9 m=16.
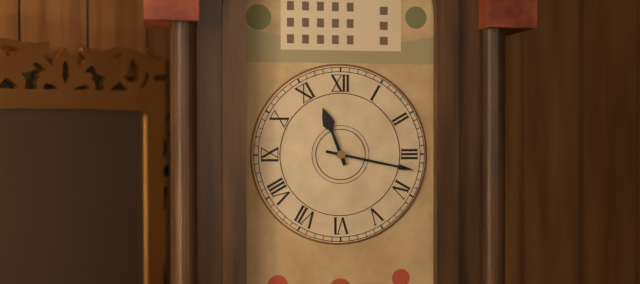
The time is h=11 m=17
